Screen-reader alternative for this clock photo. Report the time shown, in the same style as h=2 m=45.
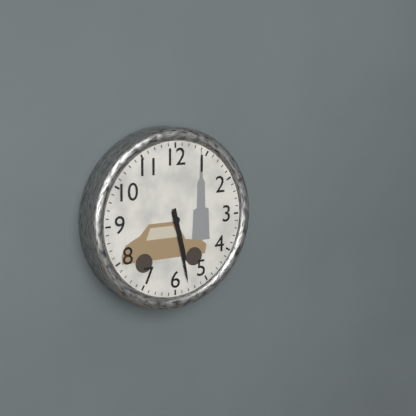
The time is h=5 m=28
